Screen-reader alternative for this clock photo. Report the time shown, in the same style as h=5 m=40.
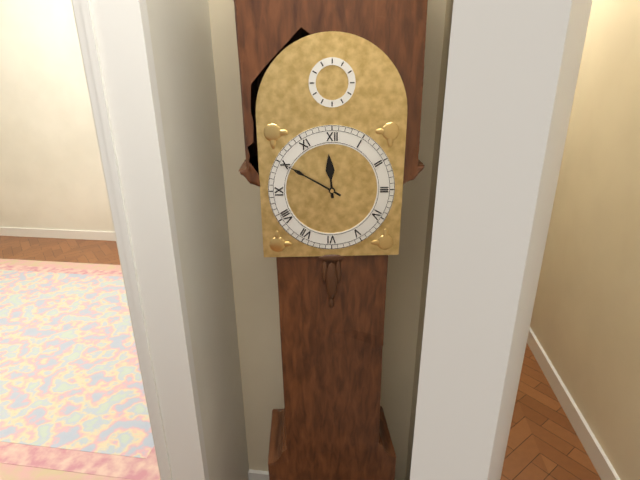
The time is h=11 m=50
